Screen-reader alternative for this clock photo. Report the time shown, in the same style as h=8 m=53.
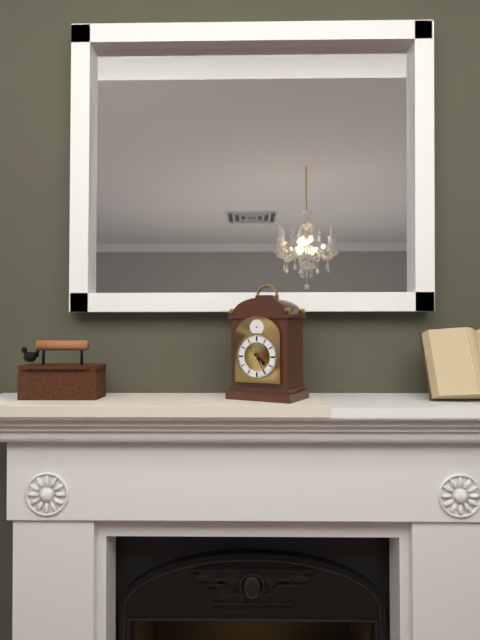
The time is h=4 m=25
